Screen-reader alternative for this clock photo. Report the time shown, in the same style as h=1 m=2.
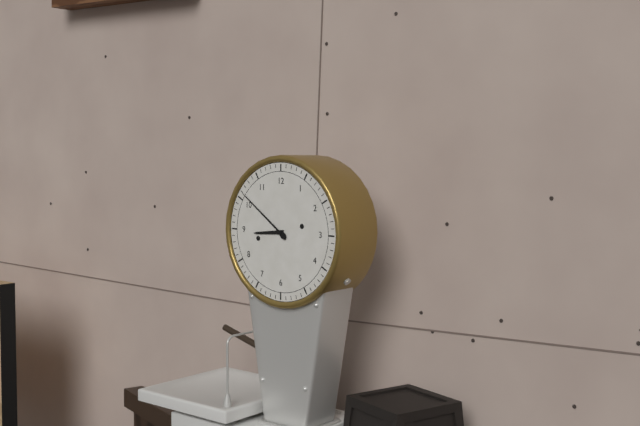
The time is h=8 m=51
